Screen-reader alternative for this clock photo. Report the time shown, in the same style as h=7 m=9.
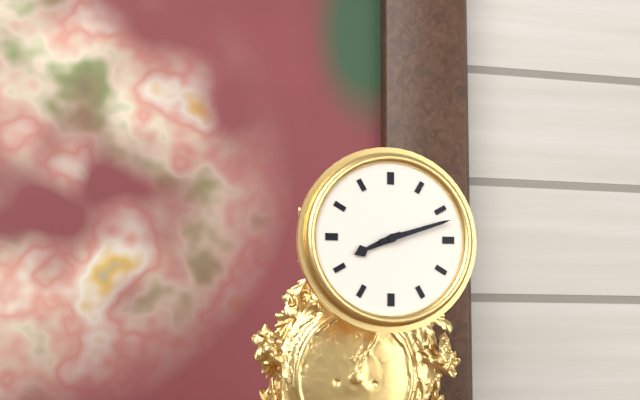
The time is h=8 m=12
